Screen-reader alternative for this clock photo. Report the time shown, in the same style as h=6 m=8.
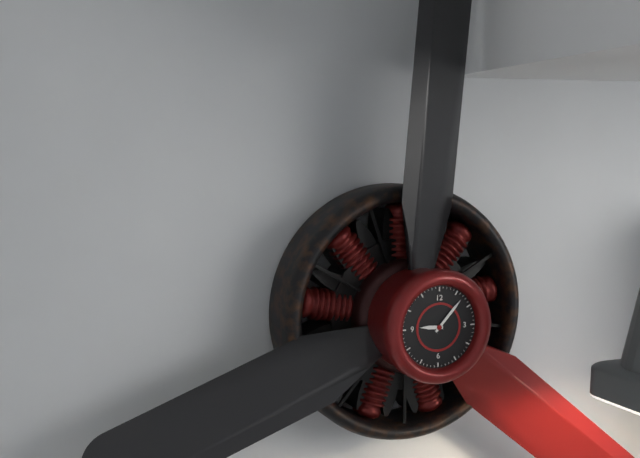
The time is h=9 m=7
